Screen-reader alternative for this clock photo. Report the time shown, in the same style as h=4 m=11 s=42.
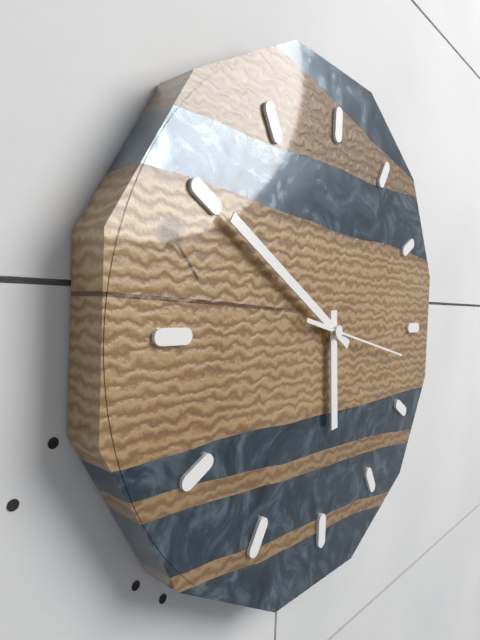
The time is h=5 m=50 s=17
